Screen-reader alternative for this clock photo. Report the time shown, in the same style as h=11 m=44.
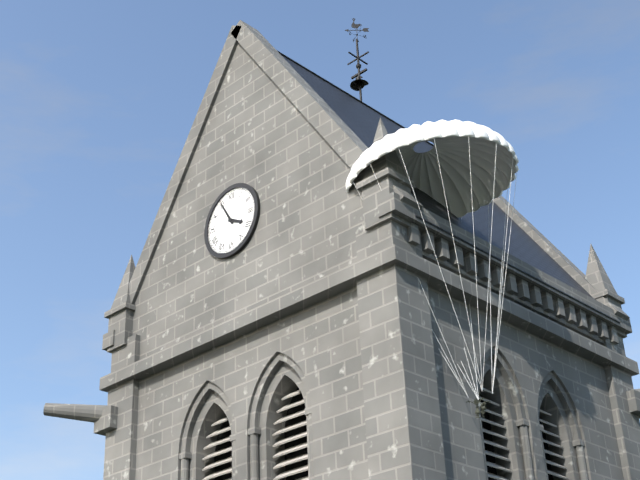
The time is h=3 m=55
